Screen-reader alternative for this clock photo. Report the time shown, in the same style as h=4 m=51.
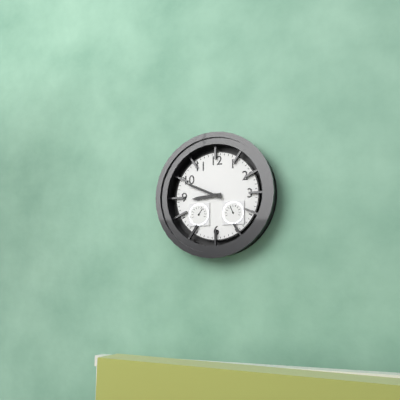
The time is h=8 m=49
